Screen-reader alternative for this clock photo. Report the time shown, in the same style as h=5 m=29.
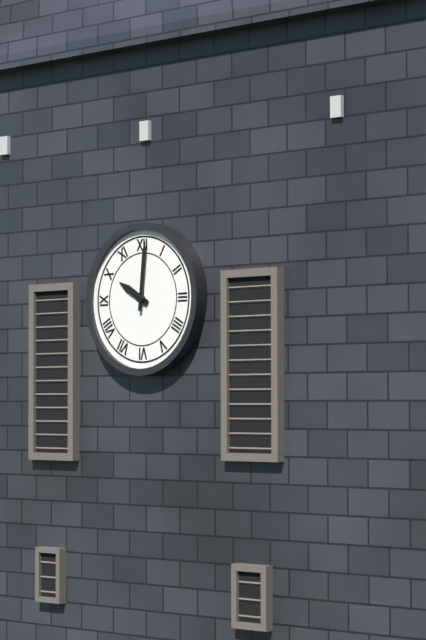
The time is h=10 m=1
